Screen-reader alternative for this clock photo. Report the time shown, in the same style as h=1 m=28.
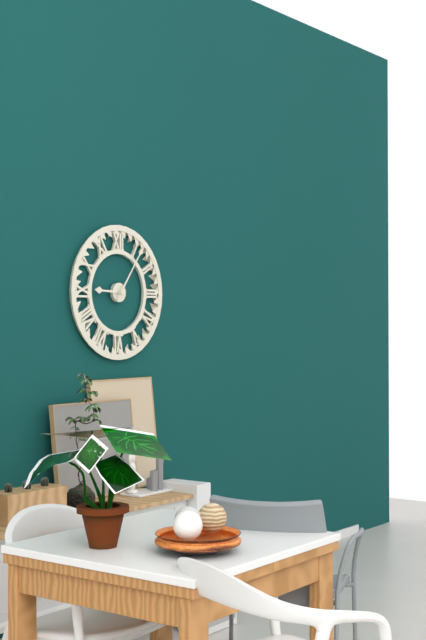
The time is h=9 m=6
